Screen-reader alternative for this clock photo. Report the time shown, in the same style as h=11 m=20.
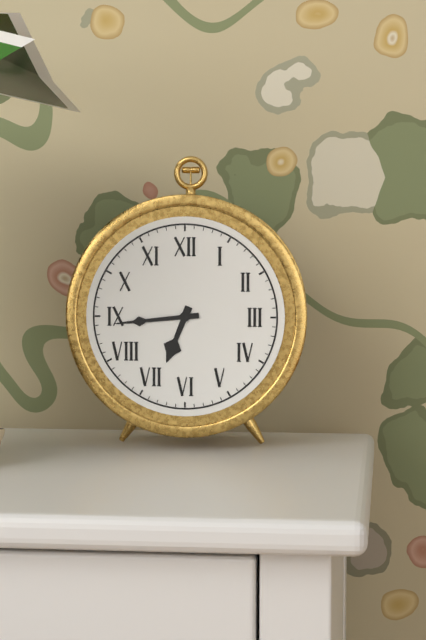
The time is h=6 m=44
